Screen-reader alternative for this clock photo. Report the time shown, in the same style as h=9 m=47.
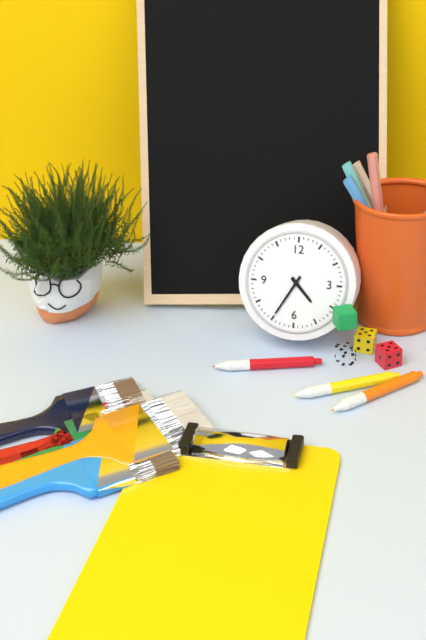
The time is h=4 m=35
